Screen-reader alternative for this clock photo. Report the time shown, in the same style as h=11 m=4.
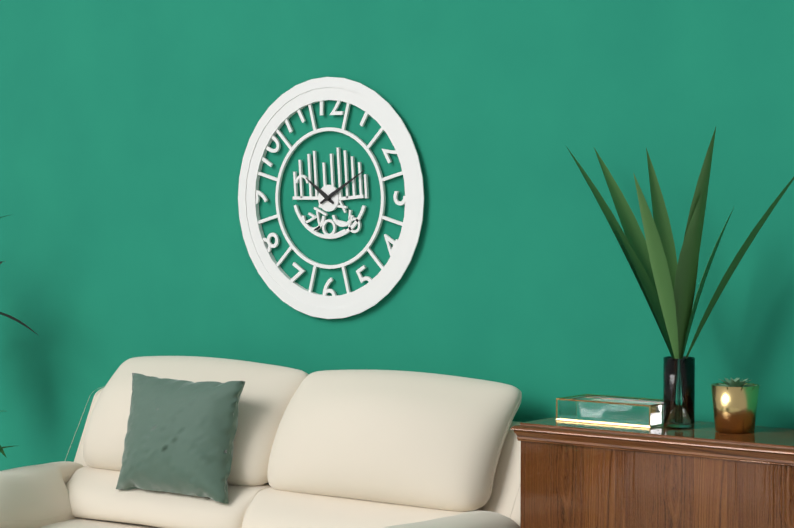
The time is h=10 m=10
